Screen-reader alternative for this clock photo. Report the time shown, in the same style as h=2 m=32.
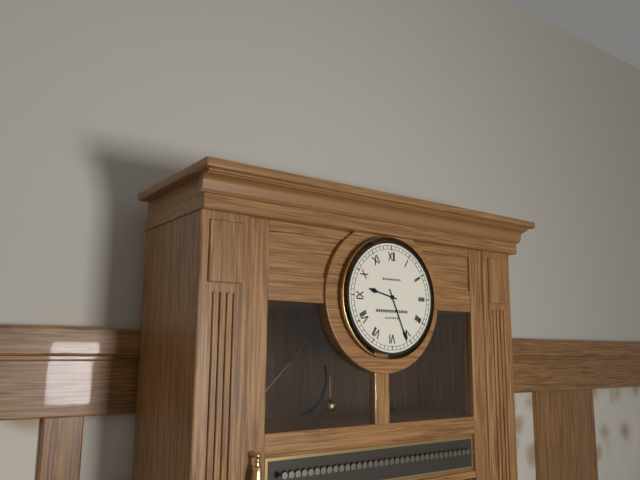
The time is h=9 m=26
